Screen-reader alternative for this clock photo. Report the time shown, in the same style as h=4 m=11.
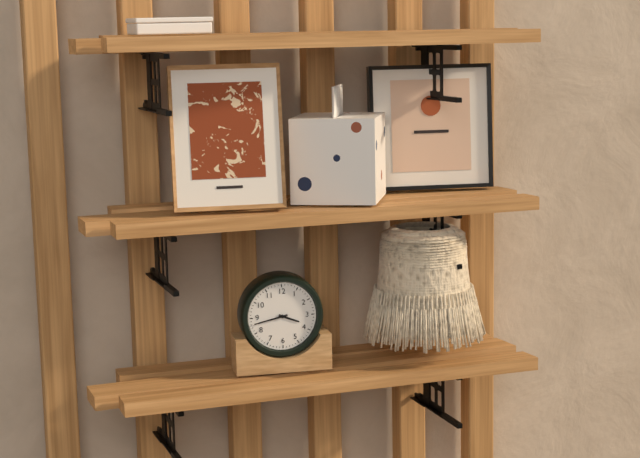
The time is h=3 m=43
